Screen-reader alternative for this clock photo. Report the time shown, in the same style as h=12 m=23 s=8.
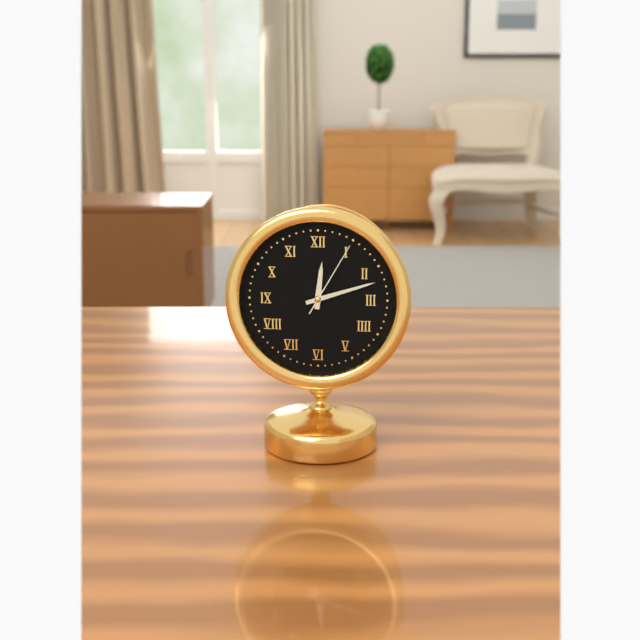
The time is h=12 m=12 s=5
